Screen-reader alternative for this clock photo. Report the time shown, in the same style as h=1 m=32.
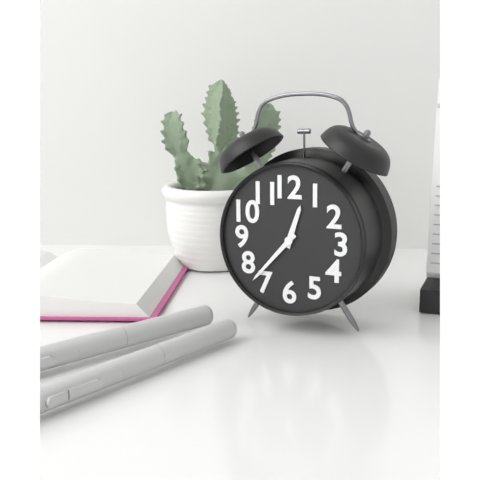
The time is h=12 m=37
